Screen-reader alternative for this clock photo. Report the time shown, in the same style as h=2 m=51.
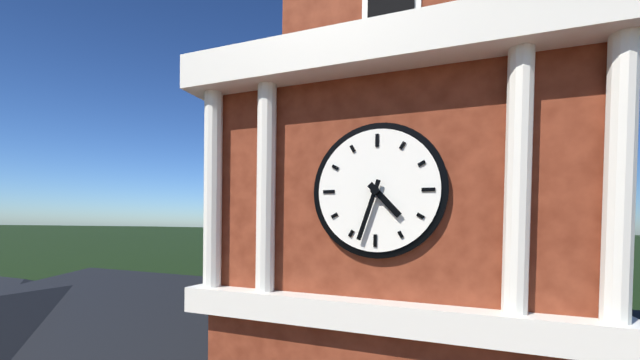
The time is h=4 m=33
